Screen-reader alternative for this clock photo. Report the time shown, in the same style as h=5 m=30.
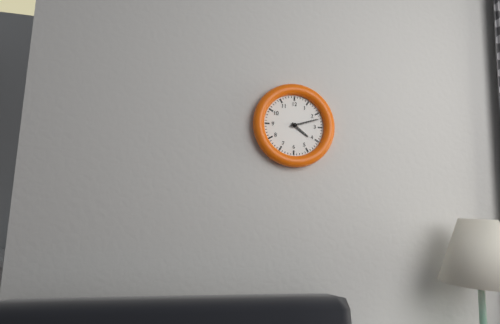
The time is h=4 m=12
